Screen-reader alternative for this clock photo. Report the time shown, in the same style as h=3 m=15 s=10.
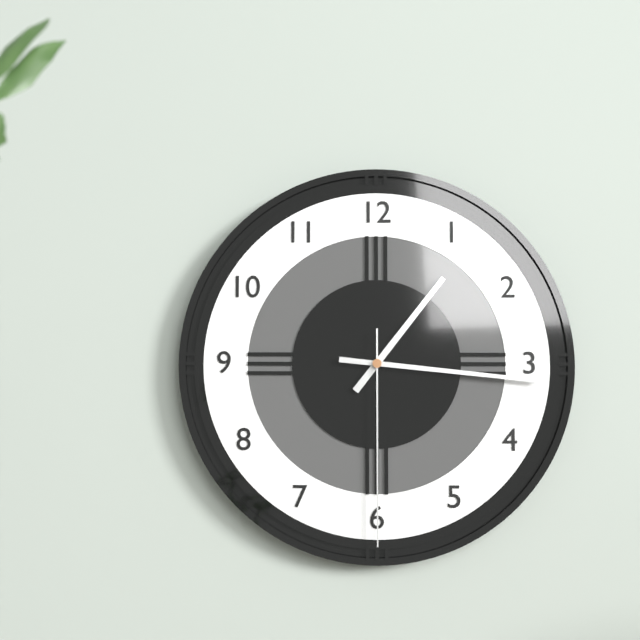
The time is h=1 m=16 s=30
